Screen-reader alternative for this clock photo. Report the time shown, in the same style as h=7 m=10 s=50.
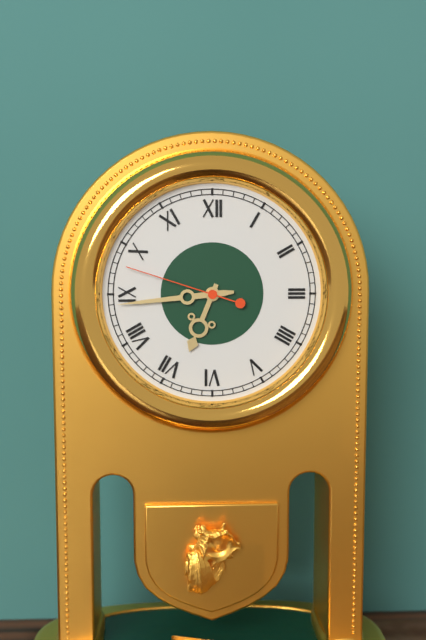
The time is h=6 m=44 s=48
